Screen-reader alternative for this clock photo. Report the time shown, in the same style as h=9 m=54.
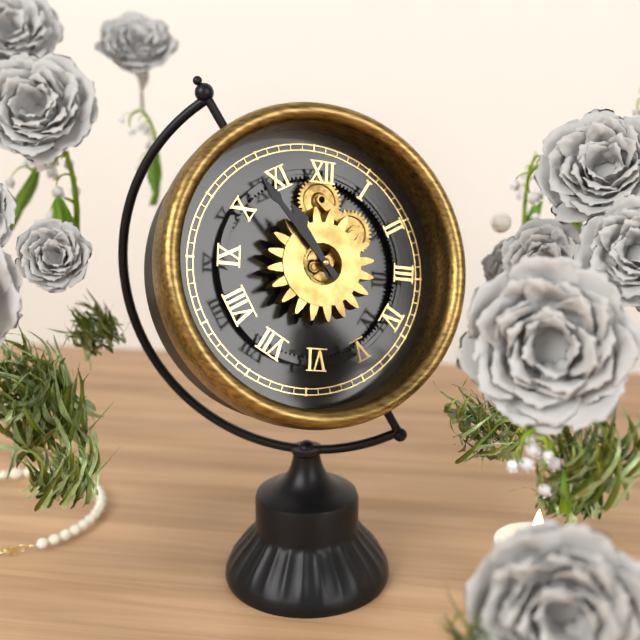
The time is h=10 m=53
